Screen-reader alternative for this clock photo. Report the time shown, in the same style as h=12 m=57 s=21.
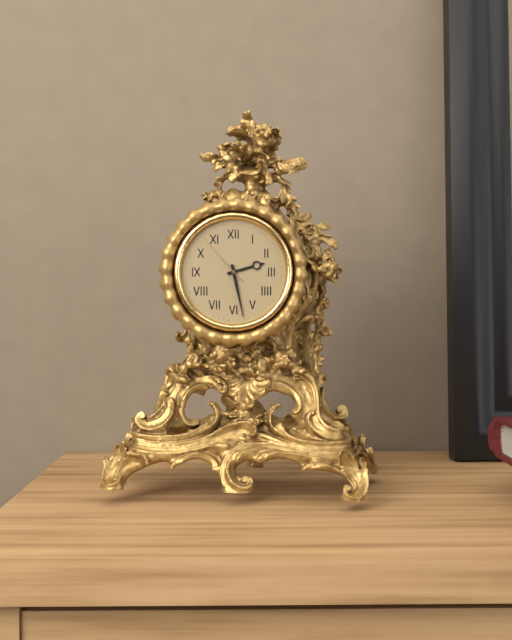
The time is h=2 m=28 s=53
